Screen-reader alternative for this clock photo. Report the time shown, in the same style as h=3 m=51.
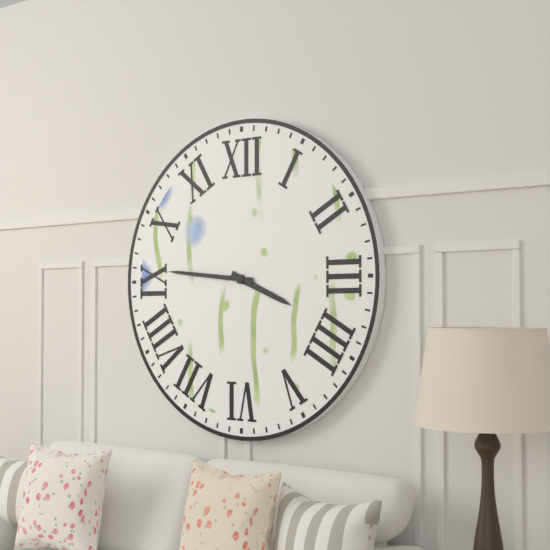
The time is h=3 m=46
